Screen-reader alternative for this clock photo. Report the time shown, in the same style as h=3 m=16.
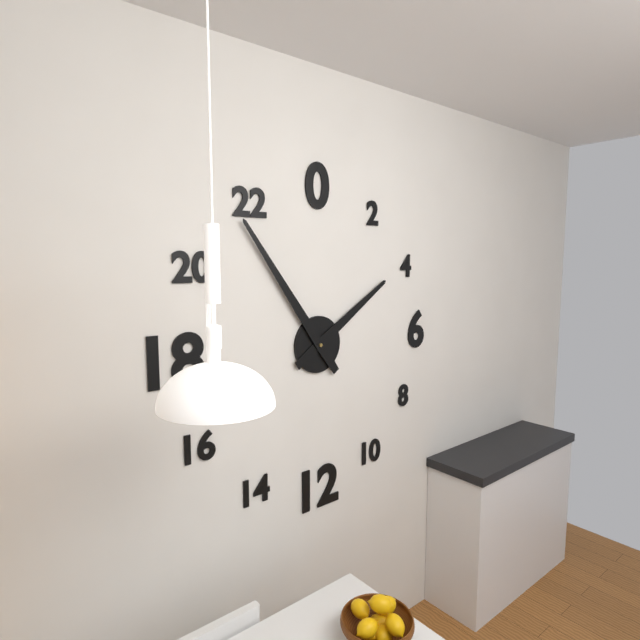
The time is h=1 m=54
